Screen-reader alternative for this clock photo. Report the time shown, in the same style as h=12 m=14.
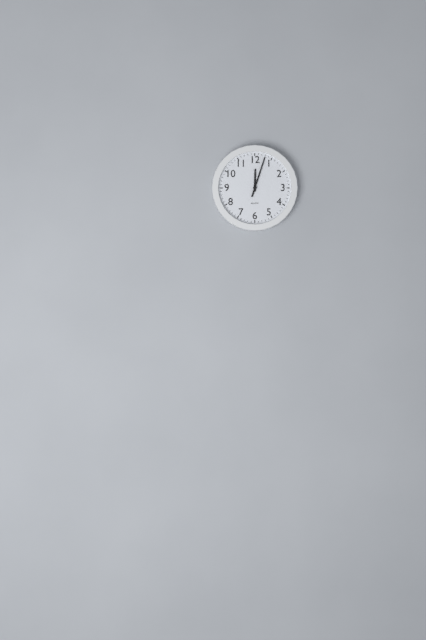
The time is h=12 m=3
